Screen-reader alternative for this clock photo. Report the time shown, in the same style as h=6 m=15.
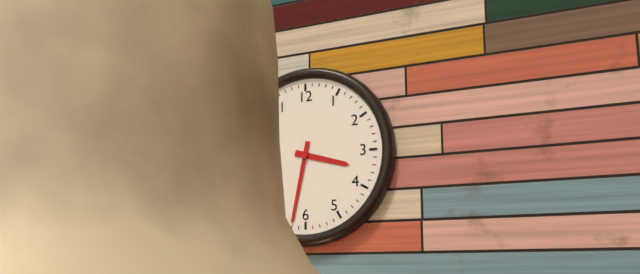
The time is h=3 m=32
